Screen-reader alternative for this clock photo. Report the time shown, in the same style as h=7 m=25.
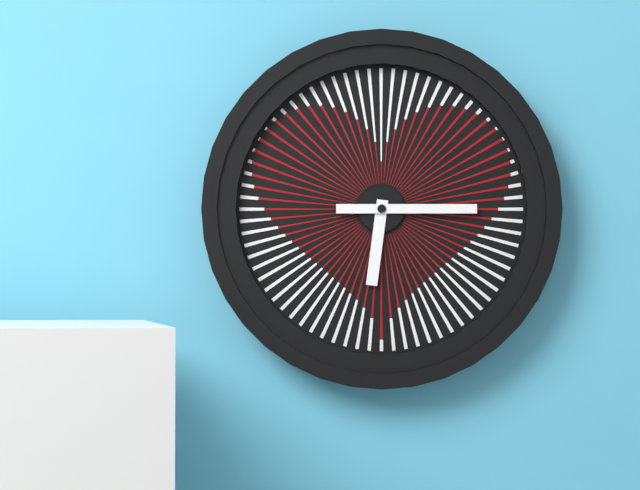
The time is h=6 m=15
